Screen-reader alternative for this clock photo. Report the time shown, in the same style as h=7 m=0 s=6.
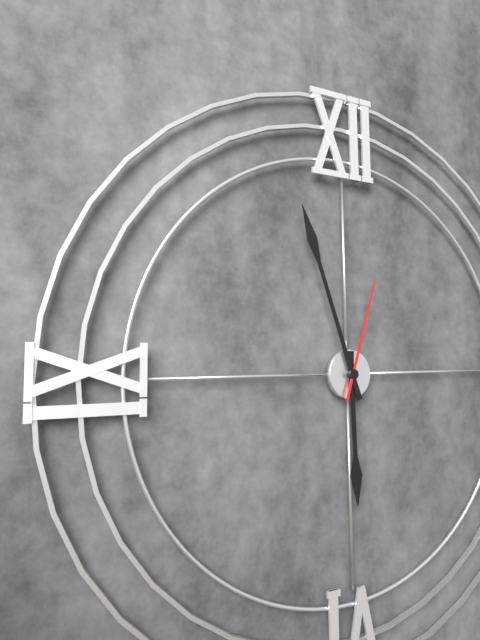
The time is h=5 m=57 s=3
